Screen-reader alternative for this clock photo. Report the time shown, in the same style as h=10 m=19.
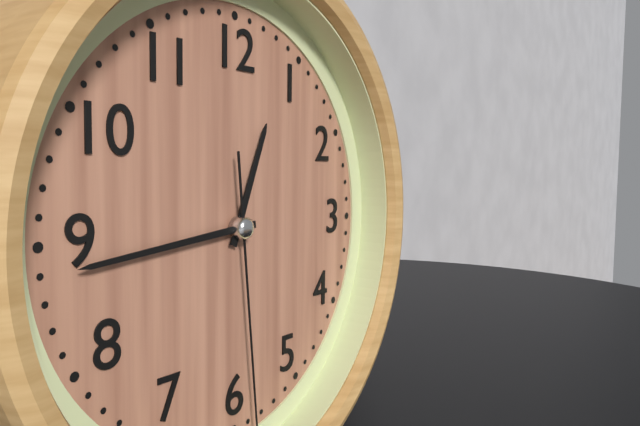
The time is h=12 m=44
